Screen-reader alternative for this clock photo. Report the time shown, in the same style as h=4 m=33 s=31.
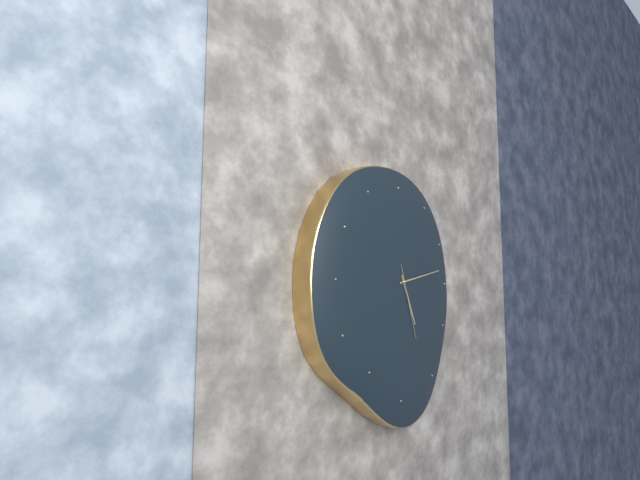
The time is h=5 m=13 s=27
